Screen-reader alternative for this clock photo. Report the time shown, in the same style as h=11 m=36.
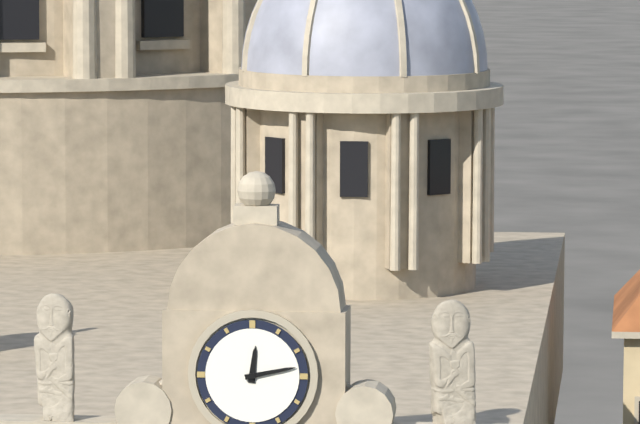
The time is h=12 m=13
